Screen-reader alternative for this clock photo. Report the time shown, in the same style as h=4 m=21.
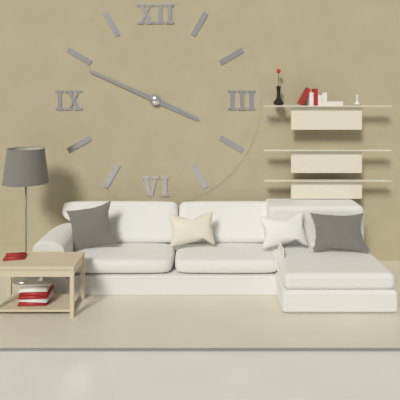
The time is h=3 m=49
